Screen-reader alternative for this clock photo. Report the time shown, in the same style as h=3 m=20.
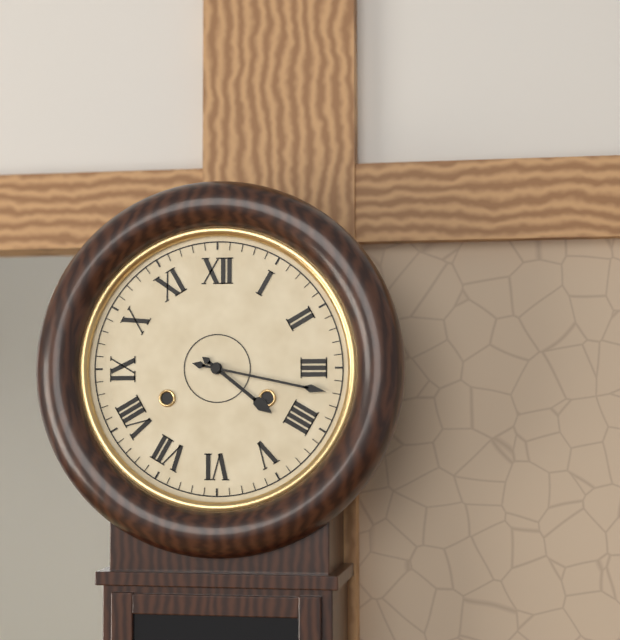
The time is h=4 m=17
